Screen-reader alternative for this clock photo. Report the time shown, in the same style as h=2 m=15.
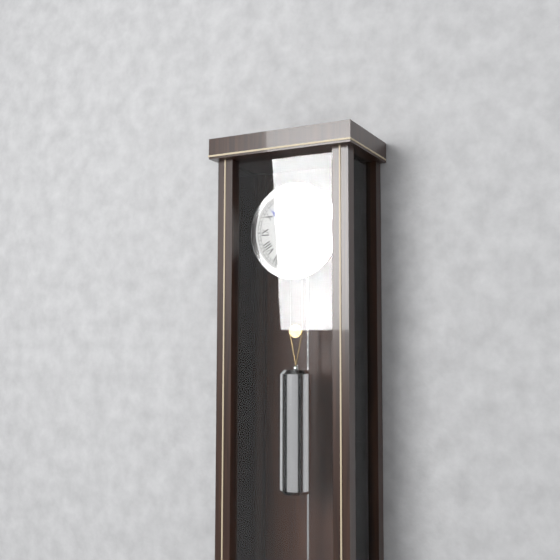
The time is h=12 m=52
